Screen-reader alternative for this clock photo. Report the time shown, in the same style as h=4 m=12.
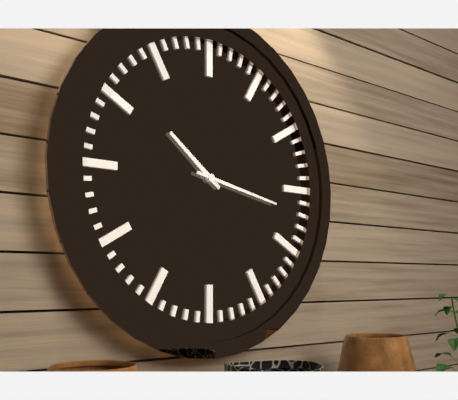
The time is h=10 m=17
